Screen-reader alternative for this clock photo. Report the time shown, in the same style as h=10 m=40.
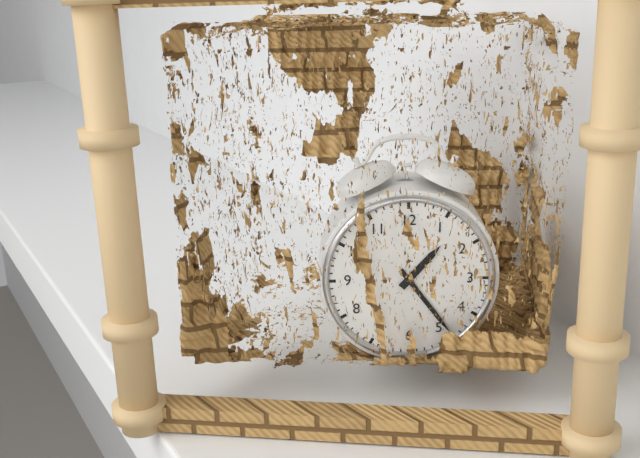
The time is h=1 m=24
